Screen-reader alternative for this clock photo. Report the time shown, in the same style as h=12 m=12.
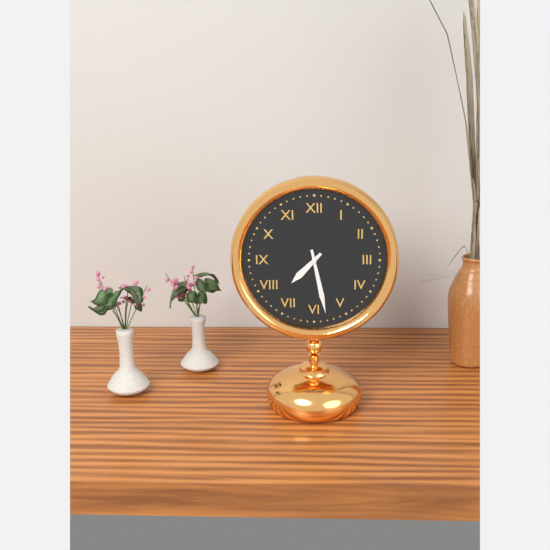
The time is h=7 m=28
